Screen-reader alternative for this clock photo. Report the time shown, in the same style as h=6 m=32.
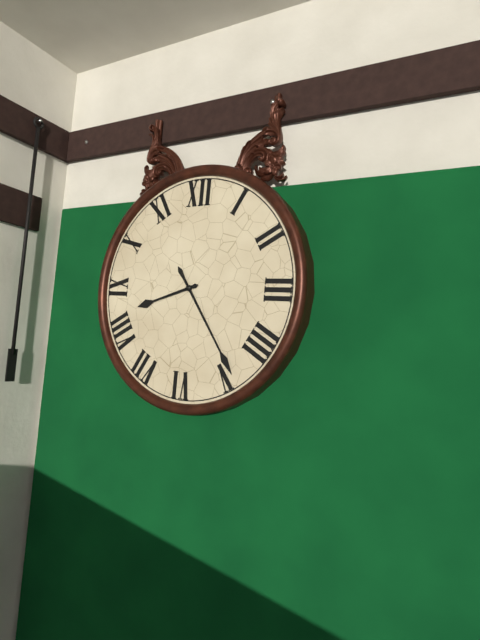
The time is h=8 m=24
